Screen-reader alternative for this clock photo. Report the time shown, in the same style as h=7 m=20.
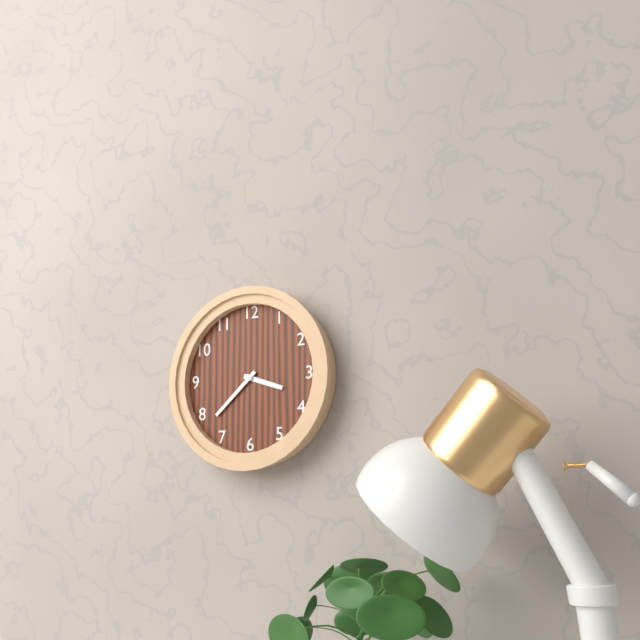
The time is h=3 m=38
